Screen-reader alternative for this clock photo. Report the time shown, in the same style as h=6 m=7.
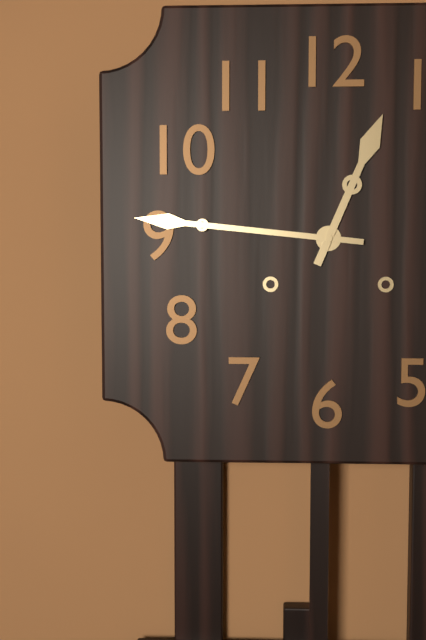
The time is h=12 m=46
